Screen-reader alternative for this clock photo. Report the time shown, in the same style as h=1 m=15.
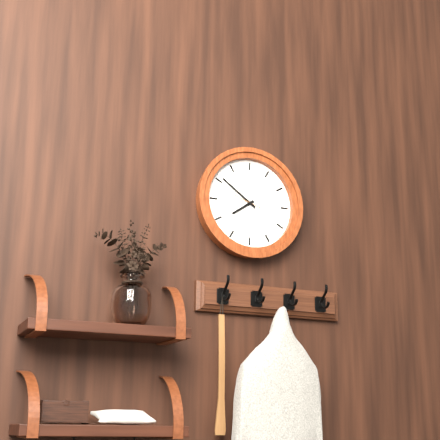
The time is h=7 m=51
